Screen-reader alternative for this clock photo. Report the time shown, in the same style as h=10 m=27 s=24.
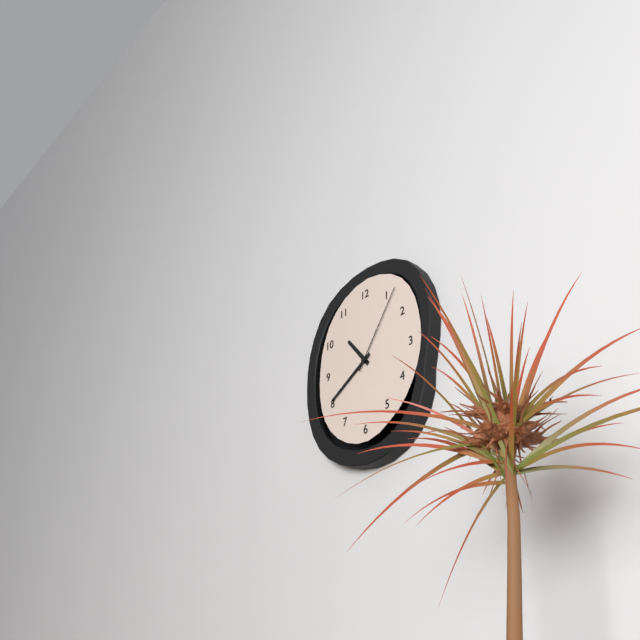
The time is h=10 m=40 s=6
